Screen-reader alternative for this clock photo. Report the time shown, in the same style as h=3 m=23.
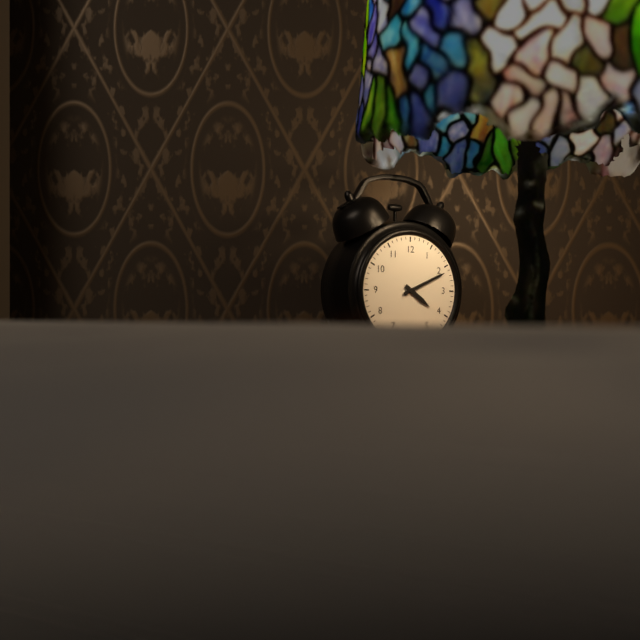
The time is h=4 m=11
